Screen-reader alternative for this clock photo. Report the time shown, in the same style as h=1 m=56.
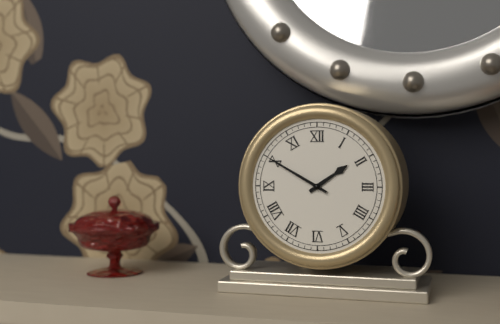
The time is h=1 m=50
